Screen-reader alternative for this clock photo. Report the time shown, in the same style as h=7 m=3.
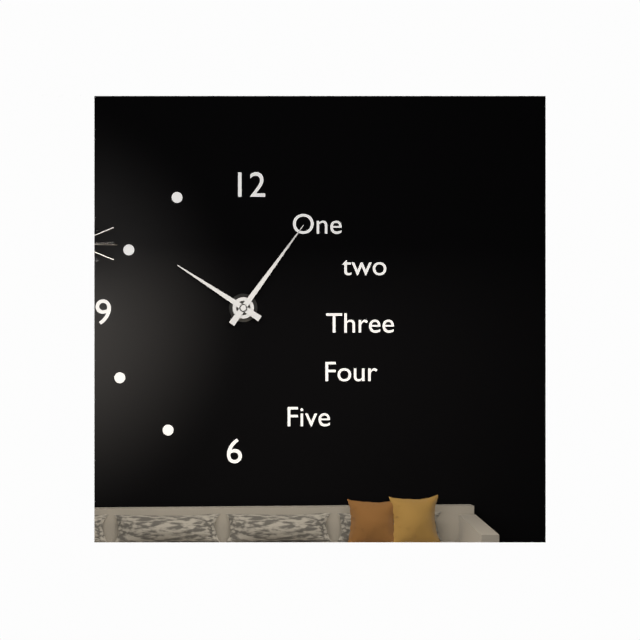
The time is h=10 m=6
